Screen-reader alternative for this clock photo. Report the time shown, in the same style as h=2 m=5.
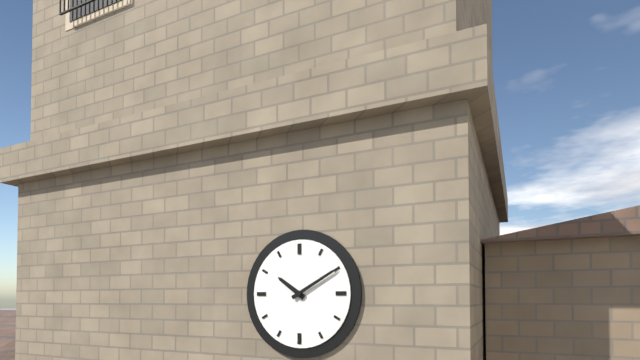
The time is h=10 m=10
